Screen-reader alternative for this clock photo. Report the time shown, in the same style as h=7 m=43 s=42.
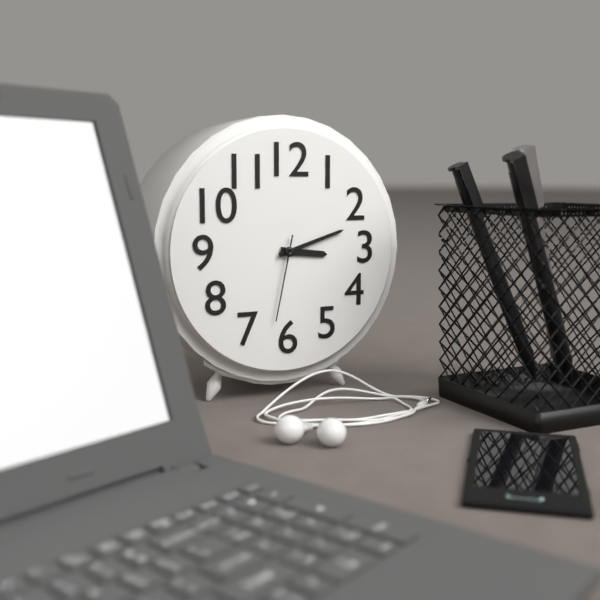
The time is h=3 m=12 s=32
